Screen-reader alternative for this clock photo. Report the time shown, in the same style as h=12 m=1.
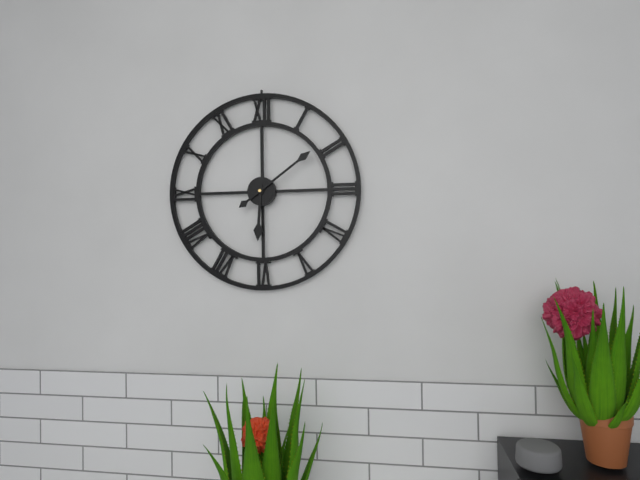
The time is h=6 m=9
